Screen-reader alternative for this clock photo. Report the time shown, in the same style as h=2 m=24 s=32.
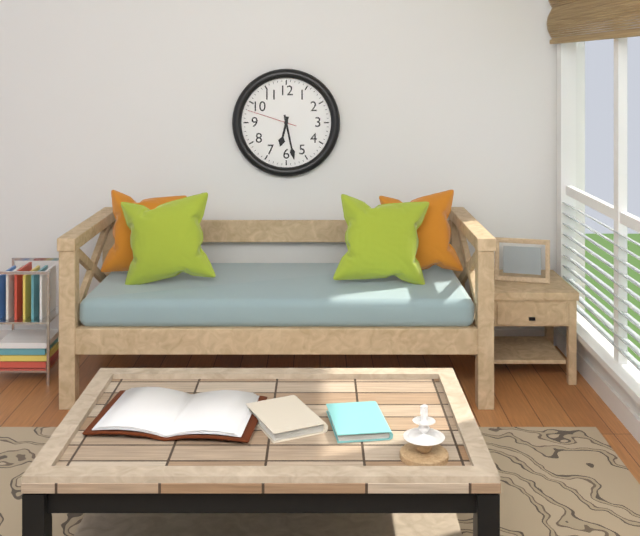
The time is h=6 m=28 s=48
